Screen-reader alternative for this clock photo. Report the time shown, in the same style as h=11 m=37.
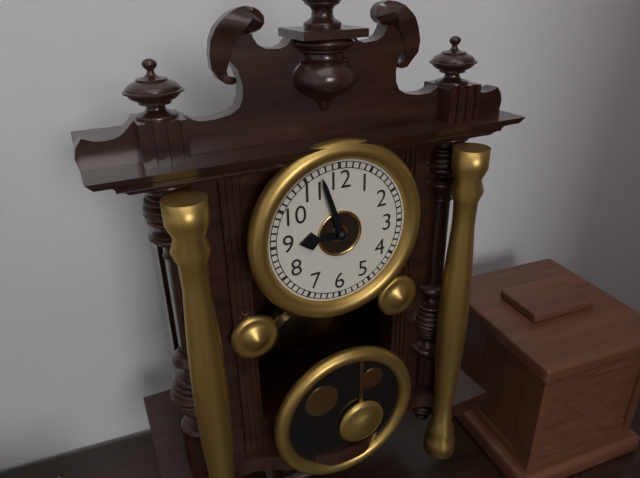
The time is h=8 m=57
